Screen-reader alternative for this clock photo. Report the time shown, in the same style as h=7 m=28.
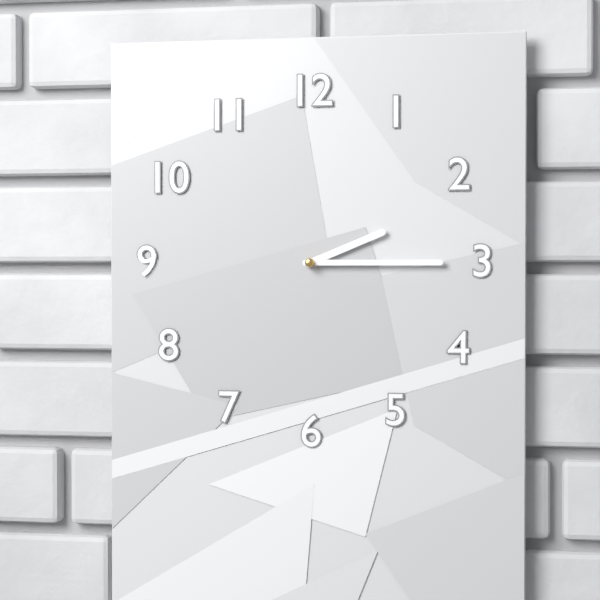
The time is h=2 m=15
